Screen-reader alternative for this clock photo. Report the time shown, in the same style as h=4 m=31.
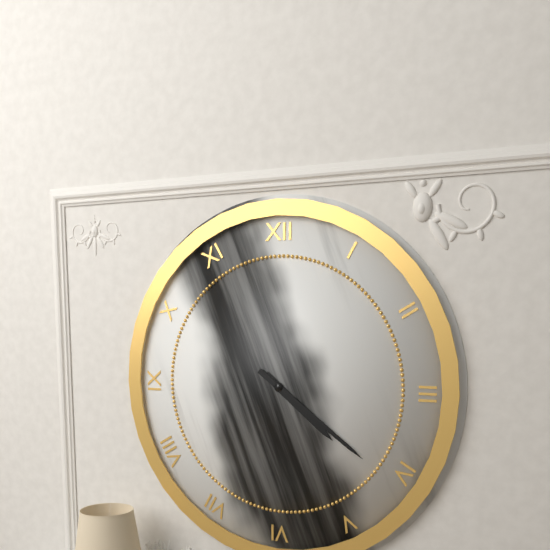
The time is h=4 m=21
